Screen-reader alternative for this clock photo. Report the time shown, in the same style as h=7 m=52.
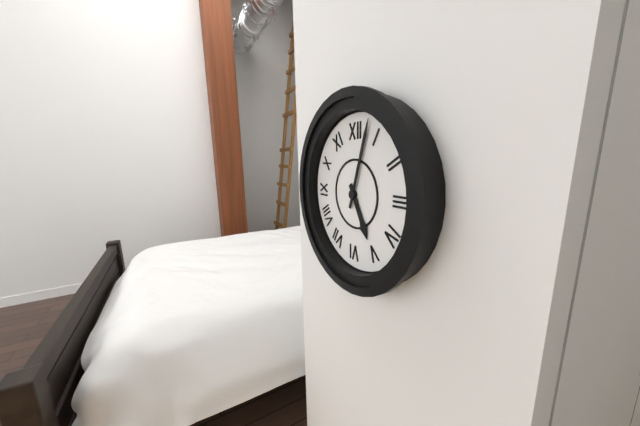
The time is h=5 m=3
